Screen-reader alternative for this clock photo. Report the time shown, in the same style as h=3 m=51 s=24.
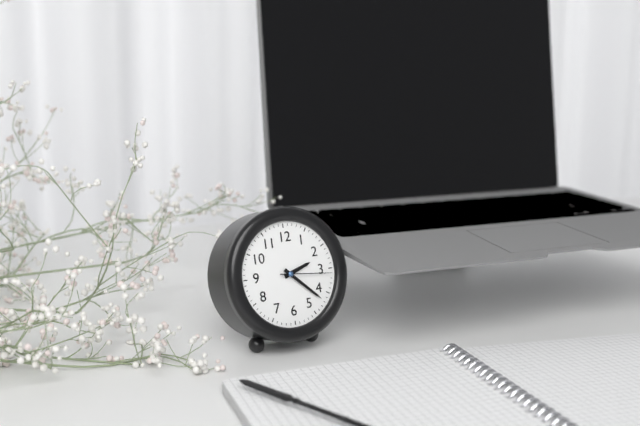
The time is h=2 m=22 s=16
